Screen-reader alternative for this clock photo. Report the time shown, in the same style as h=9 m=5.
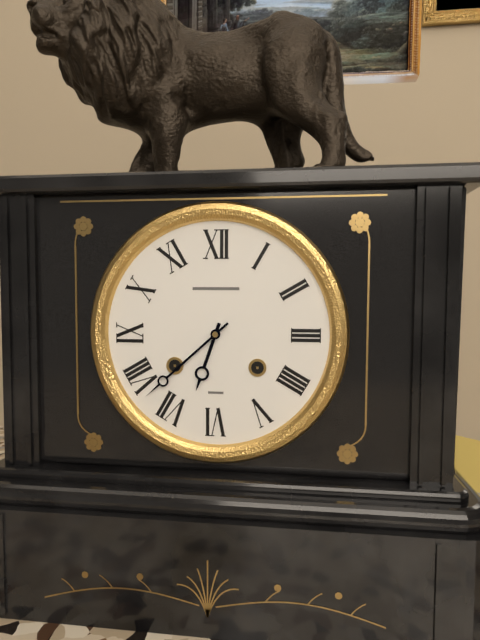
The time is h=6 m=38
